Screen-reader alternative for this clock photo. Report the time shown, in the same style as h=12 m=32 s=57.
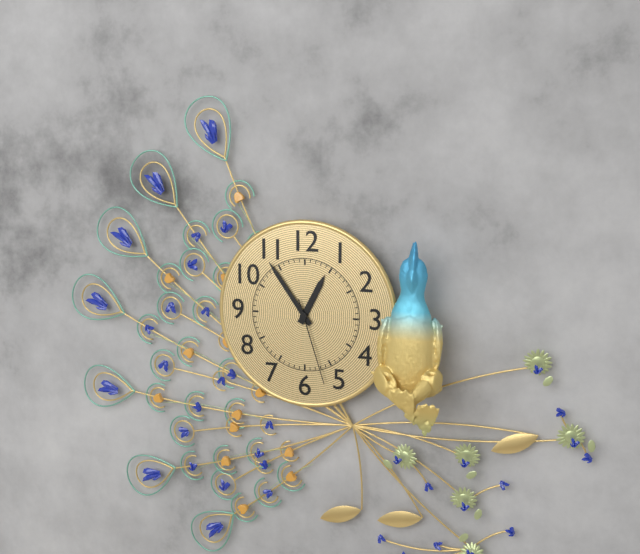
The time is h=12 m=54 s=27
